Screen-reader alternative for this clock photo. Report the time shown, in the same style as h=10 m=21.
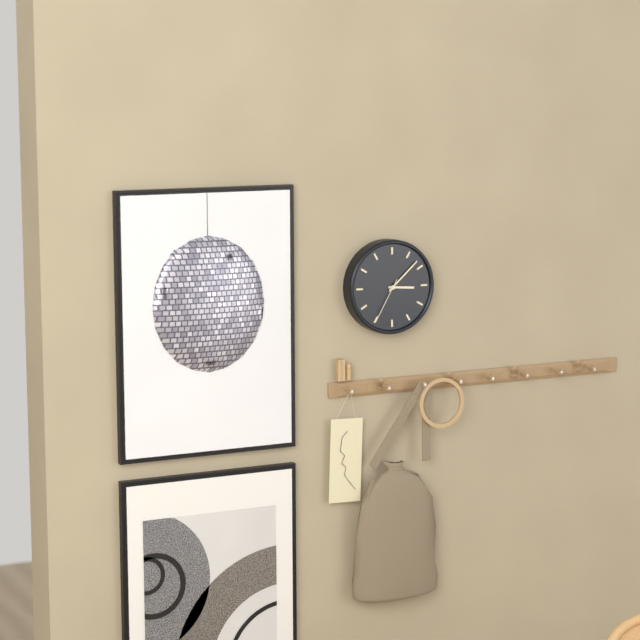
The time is h=3 m=8
